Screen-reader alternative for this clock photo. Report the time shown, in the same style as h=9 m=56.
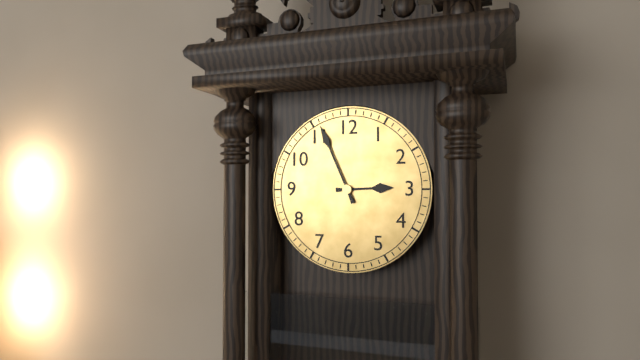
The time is h=2 m=56
